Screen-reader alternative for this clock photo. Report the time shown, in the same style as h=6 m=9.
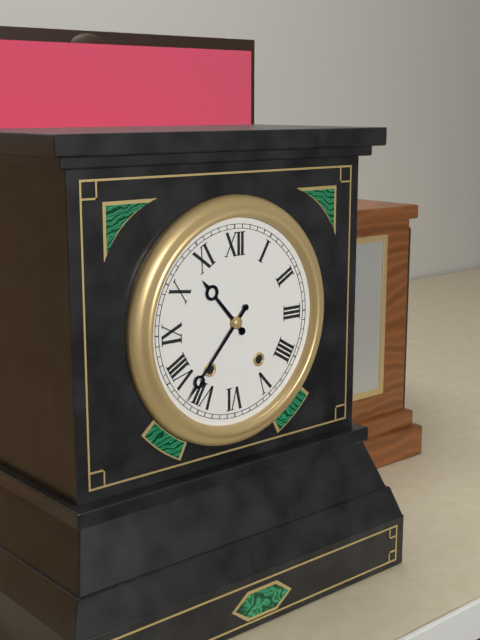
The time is h=10 m=37
